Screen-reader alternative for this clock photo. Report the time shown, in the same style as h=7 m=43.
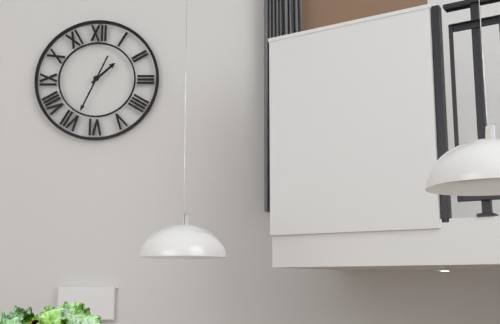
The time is h=1 m=34
